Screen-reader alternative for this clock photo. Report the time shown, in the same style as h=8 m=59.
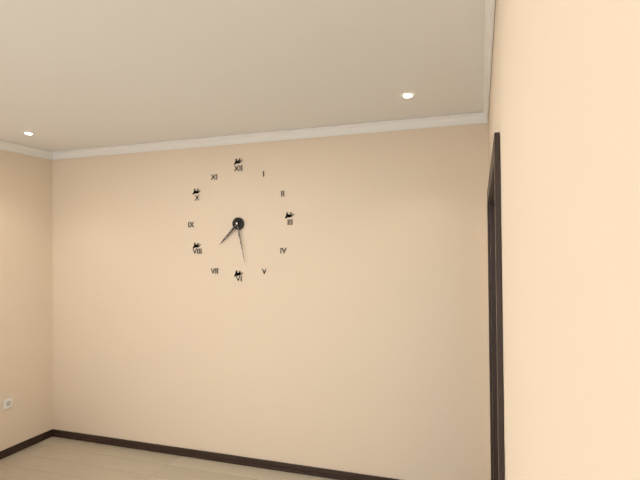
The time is h=7 m=28
